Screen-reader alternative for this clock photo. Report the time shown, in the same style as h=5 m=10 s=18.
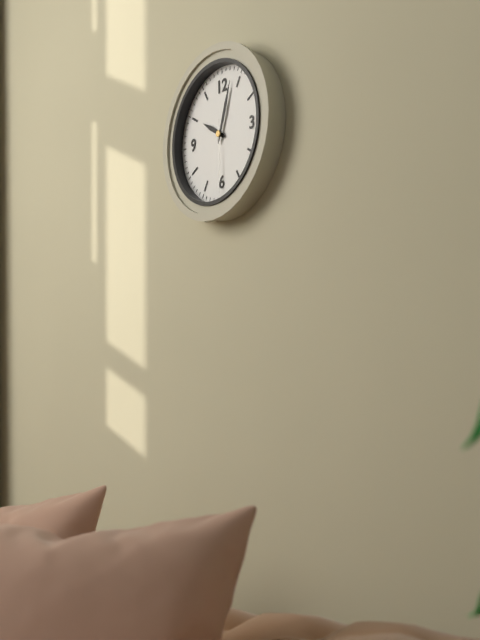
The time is h=10 m=3 s=30
